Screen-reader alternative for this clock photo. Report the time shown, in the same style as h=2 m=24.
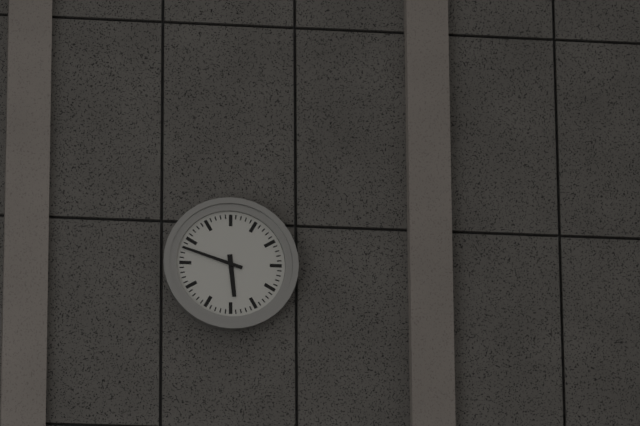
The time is h=5 m=48
